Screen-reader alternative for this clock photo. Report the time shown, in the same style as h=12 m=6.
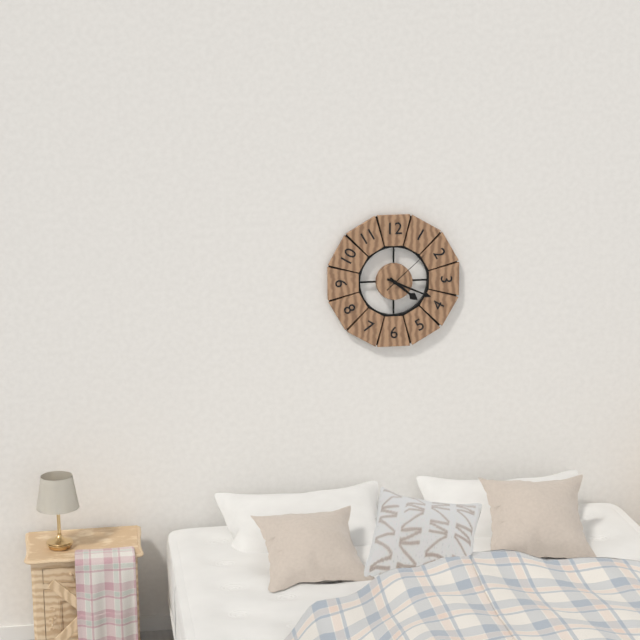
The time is h=4 m=19
